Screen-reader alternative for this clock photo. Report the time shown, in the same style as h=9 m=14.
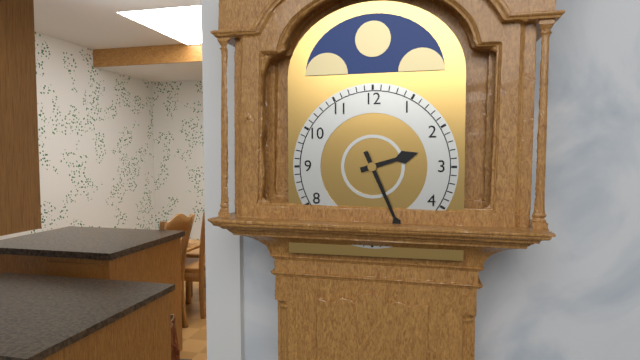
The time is h=2 m=26
